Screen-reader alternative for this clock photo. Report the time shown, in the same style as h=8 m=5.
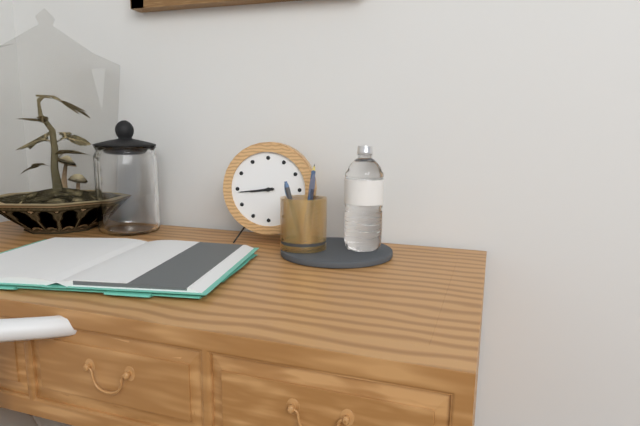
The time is h=8 m=44
